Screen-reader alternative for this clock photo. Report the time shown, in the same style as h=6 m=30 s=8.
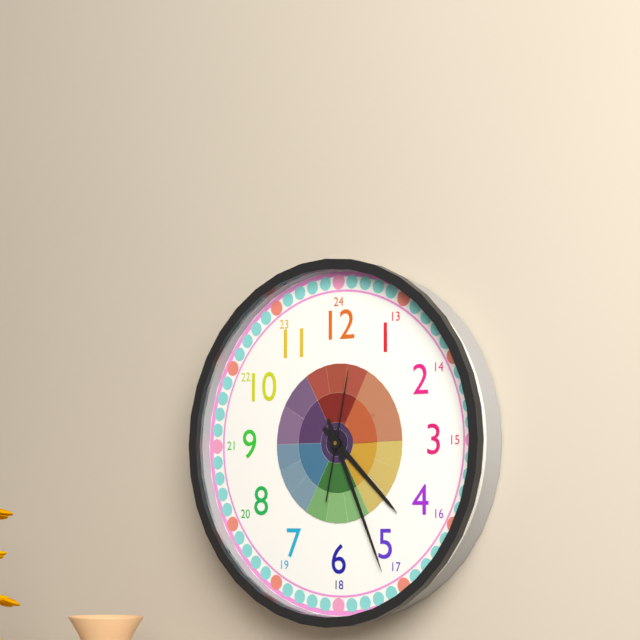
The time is h=4 m=26 s=2
